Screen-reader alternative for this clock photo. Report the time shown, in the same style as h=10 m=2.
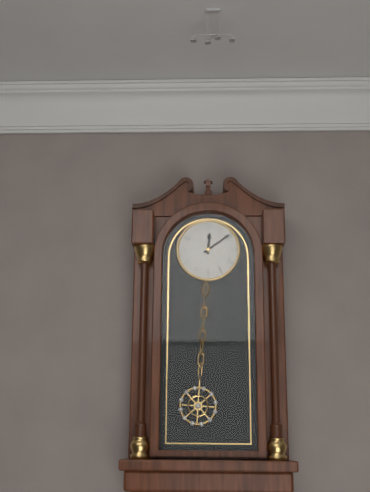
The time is h=12 m=9
